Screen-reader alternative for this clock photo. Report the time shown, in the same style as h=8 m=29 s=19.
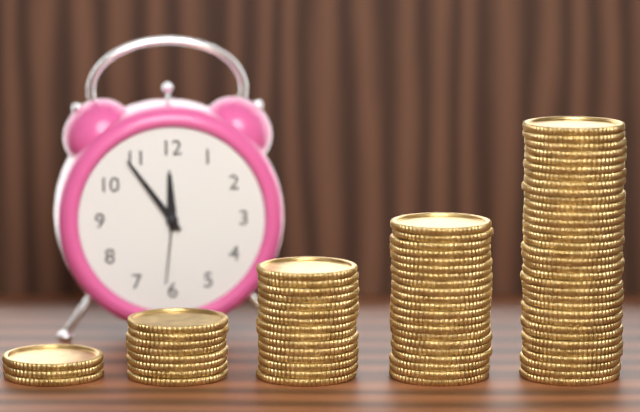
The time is h=11 m=54 s=31
